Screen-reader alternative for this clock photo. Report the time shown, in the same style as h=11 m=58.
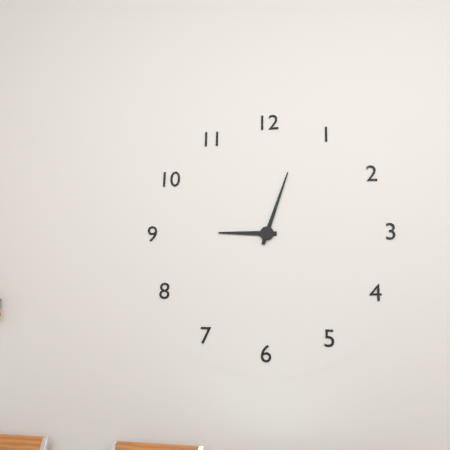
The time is h=9 m=3
